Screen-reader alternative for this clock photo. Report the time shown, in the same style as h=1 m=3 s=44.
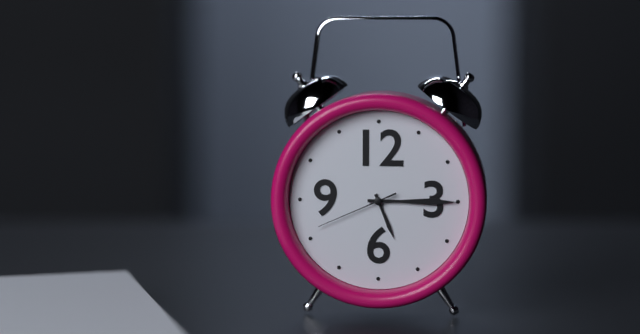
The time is h=5 m=15 s=41
